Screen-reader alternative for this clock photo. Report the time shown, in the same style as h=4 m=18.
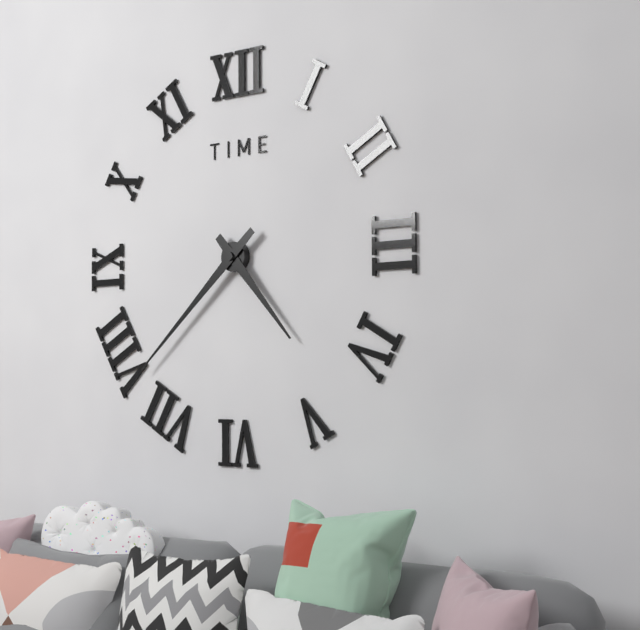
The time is h=4 m=38
